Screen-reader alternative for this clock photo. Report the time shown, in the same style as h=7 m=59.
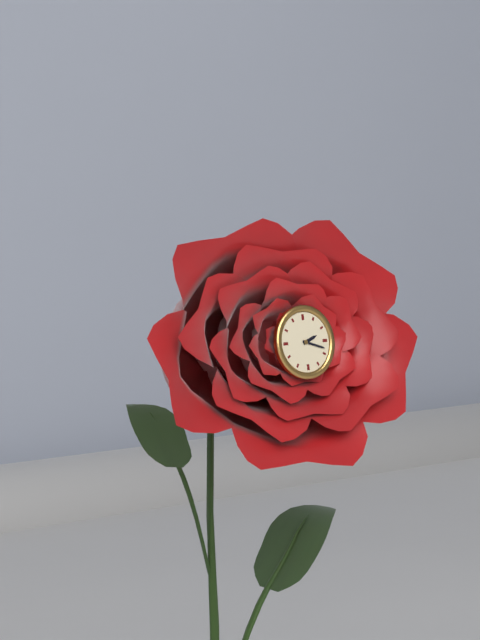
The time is h=2 m=18
